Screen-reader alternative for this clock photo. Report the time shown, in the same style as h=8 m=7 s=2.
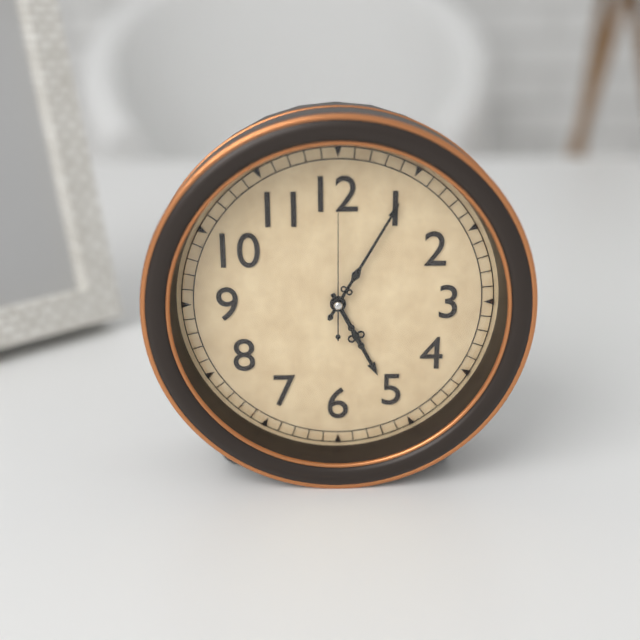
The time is h=5 m=5 s=0
